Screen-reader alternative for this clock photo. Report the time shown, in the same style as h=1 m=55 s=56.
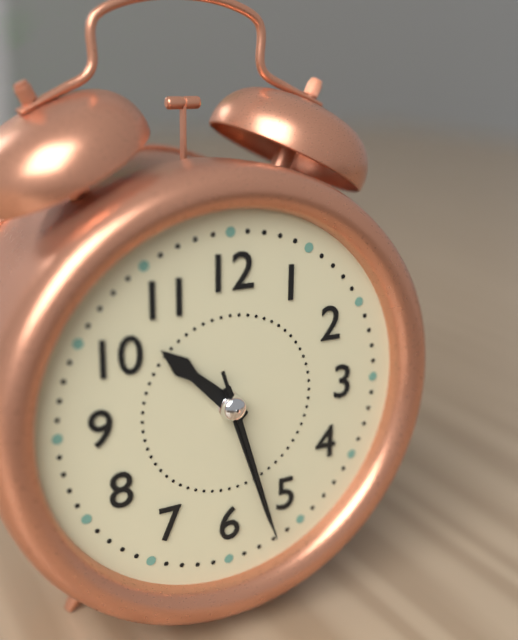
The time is h=10 m=27 s=27
